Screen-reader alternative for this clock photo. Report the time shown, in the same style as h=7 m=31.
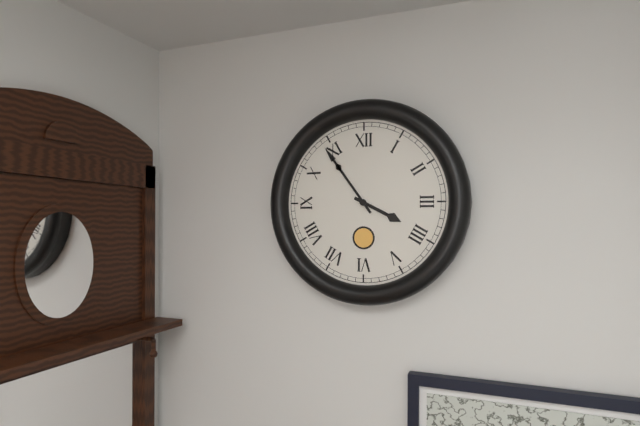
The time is h=3 m=54
